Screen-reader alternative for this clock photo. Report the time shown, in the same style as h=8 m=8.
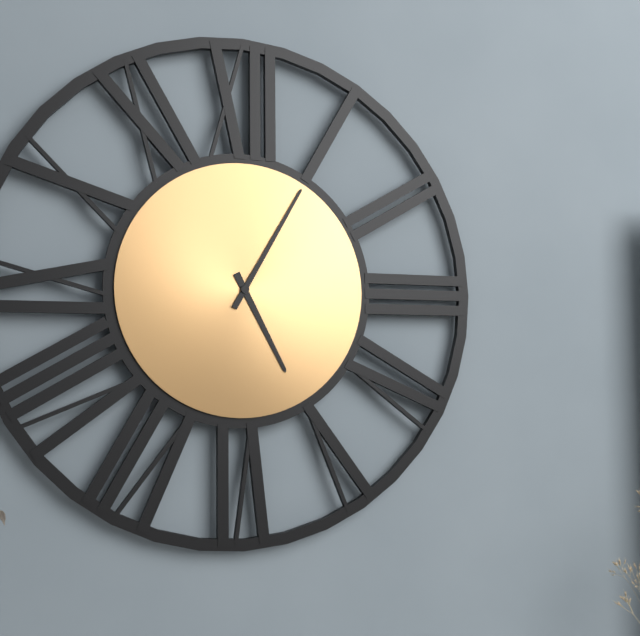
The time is h=5 m=5
